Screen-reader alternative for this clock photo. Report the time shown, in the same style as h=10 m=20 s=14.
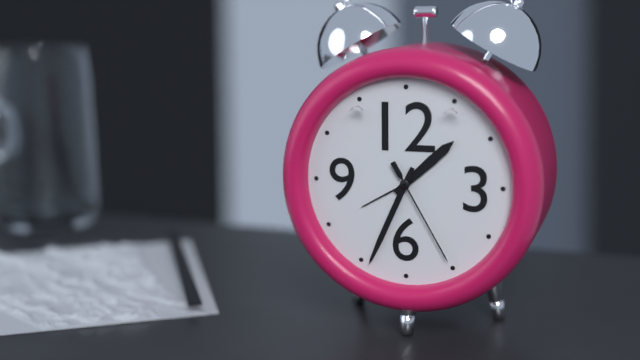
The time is h=1 m=34 s=25
